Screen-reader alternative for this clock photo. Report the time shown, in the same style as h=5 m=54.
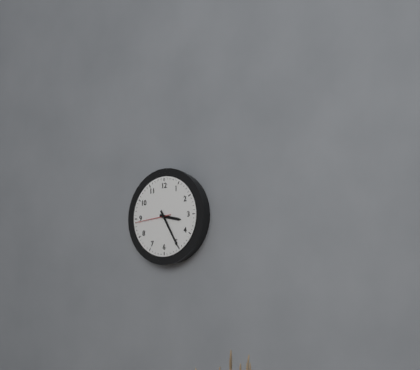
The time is h=3 m=25
